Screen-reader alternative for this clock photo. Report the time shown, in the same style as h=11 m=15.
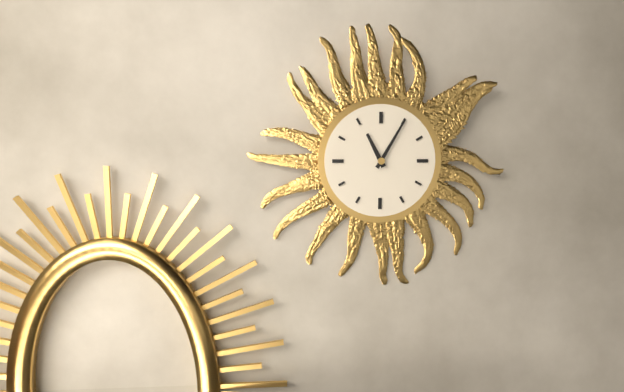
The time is h=11 m=5
